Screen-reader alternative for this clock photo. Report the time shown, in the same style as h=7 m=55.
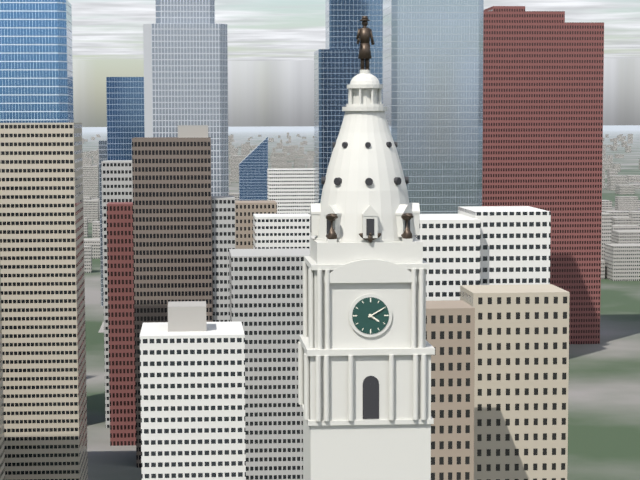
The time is h=4 m=10
